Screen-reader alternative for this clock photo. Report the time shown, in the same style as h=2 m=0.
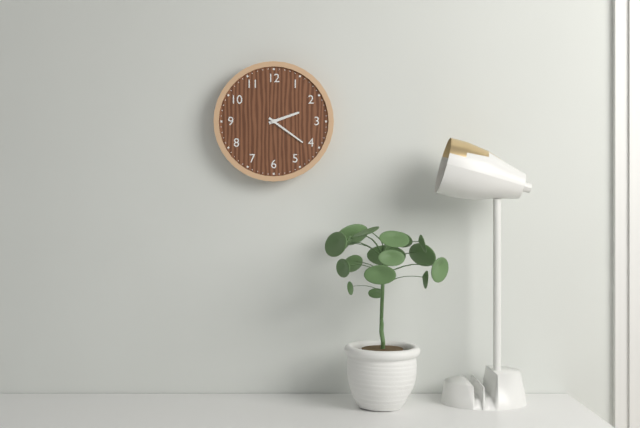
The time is h=2 m=21
